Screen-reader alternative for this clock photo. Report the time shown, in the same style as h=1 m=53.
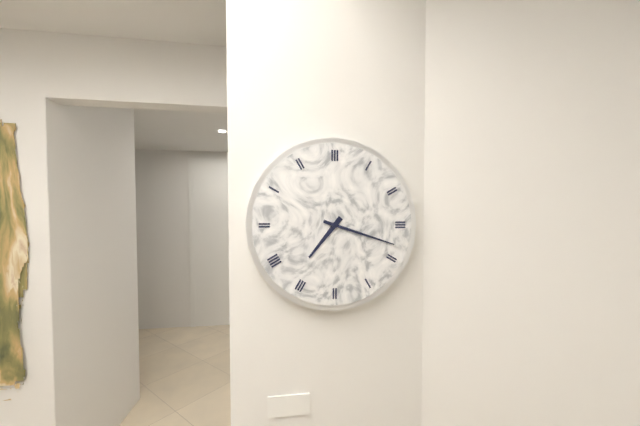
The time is h=7 m=18
